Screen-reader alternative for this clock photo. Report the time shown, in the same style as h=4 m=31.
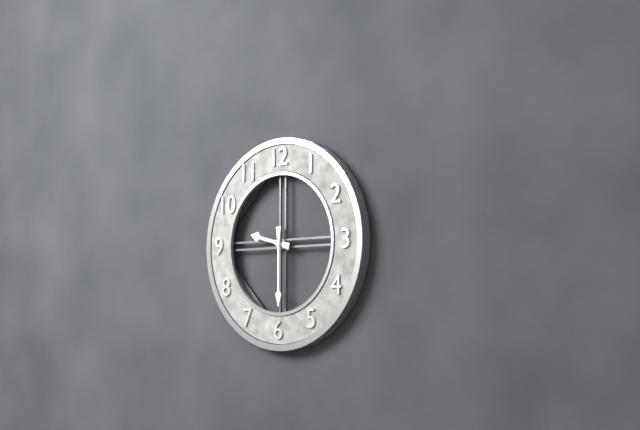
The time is h=9 m=30
